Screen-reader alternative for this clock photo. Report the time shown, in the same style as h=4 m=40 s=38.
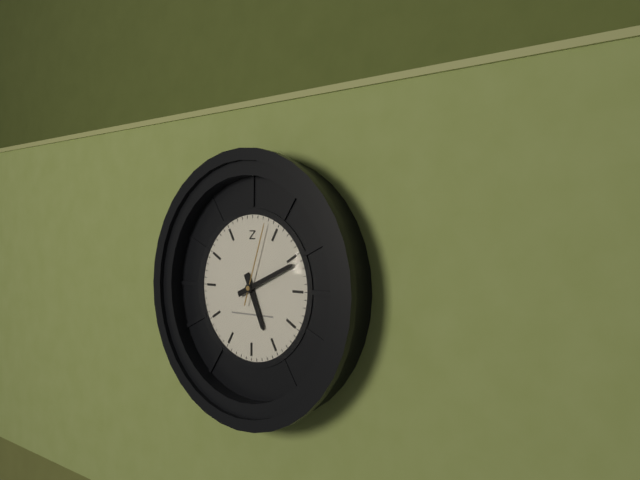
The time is h=5 m=11 s=3
